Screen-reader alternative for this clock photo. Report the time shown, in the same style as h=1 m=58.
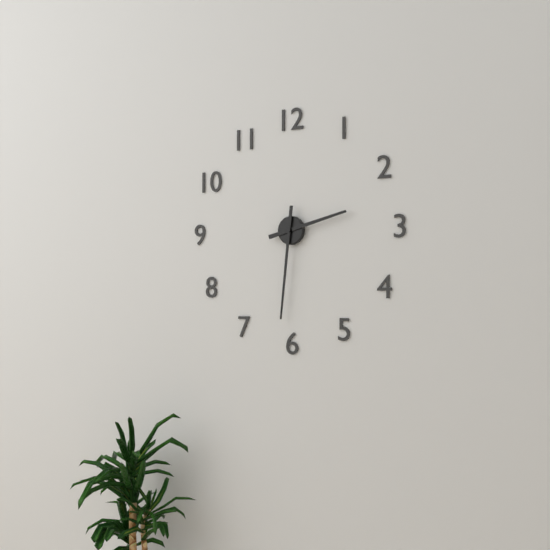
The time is h=2 m=31
